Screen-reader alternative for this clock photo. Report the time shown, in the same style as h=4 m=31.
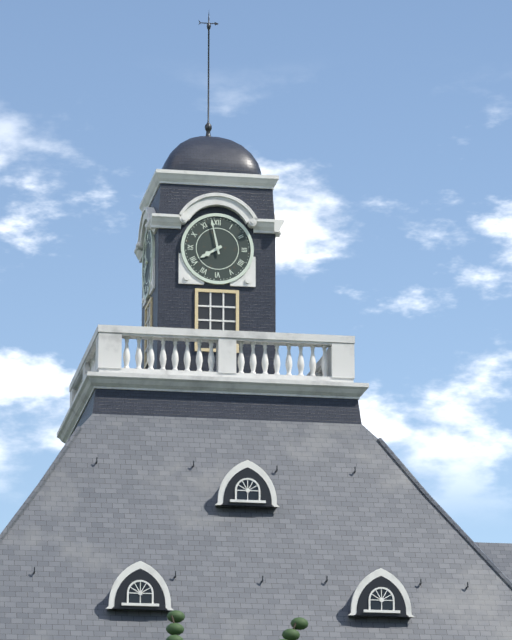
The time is h=7 m=58
